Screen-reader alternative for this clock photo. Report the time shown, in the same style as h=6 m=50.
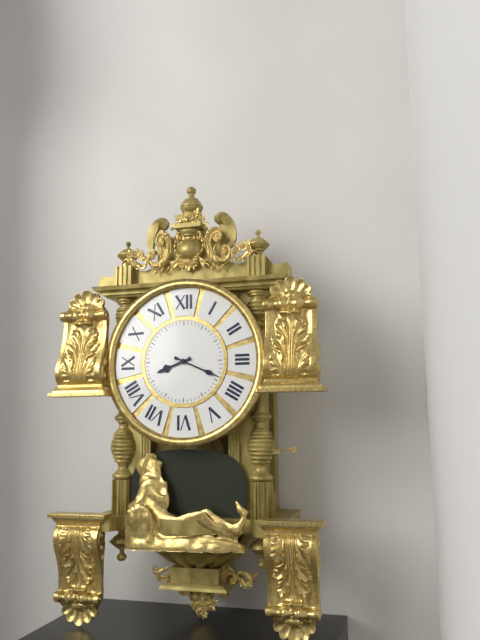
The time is h=8 m=19
